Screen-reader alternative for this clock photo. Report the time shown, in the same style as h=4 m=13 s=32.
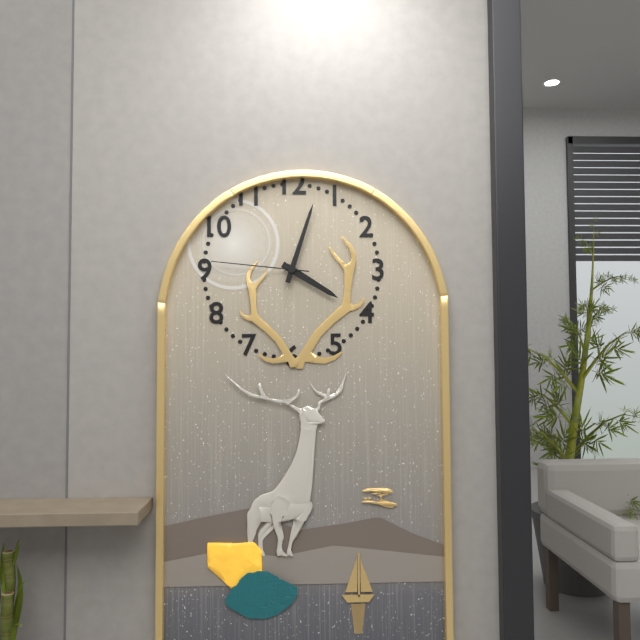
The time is h=4 m=3 s=46
